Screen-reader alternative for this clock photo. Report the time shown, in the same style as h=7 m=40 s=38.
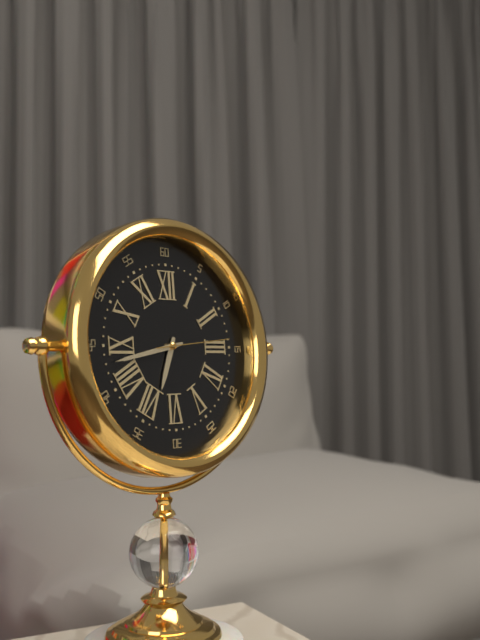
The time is h=6 m=43 s=14
